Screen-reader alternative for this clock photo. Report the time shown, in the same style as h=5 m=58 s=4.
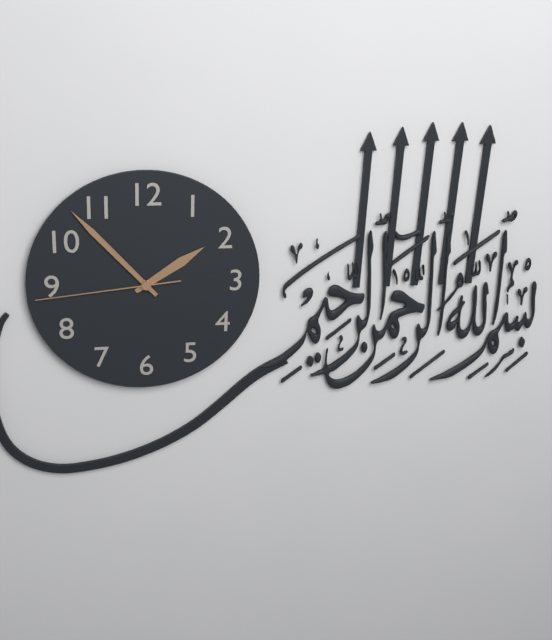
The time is h=1 m=53 s=44
